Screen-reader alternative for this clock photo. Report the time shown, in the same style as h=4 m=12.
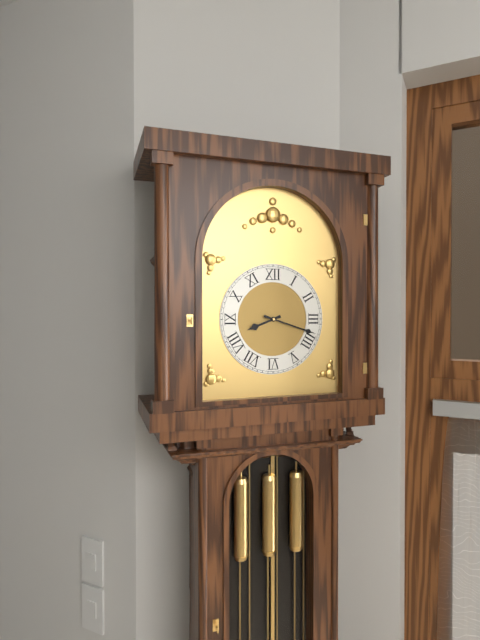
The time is h=8 m=18
